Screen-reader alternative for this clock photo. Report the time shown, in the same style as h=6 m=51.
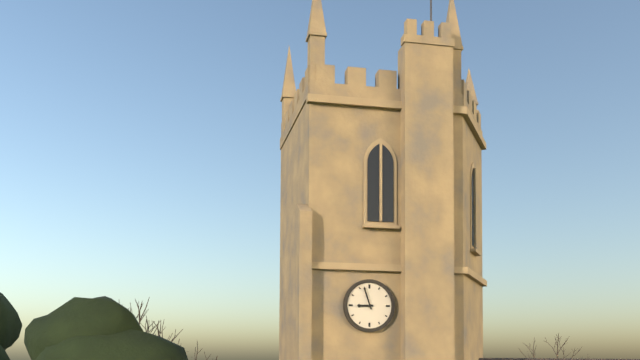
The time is h=8 m=57
